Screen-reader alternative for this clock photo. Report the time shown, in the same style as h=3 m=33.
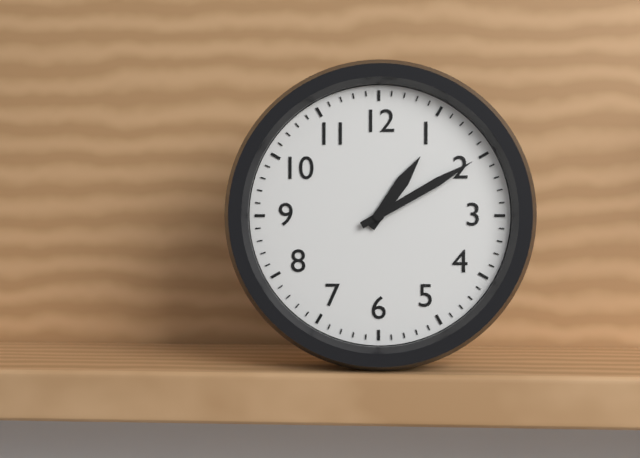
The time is h=1 m=10
